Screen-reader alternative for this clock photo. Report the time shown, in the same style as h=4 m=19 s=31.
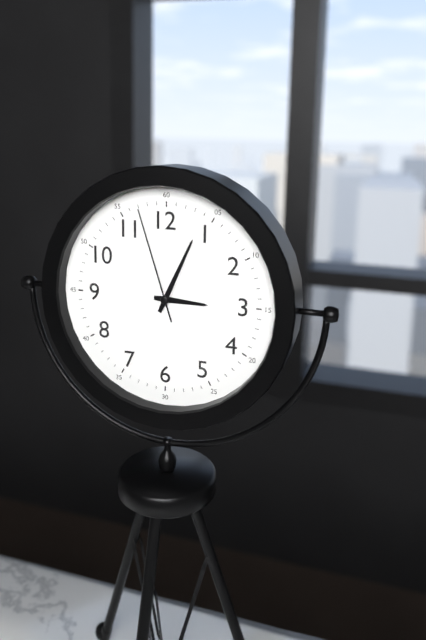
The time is h=3 m=4 s=57
